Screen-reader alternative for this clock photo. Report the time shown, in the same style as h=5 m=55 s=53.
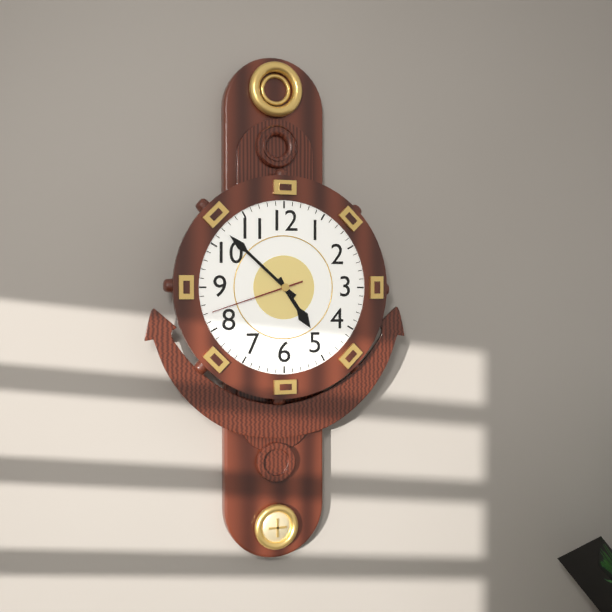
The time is h=4 m=52 s=42
